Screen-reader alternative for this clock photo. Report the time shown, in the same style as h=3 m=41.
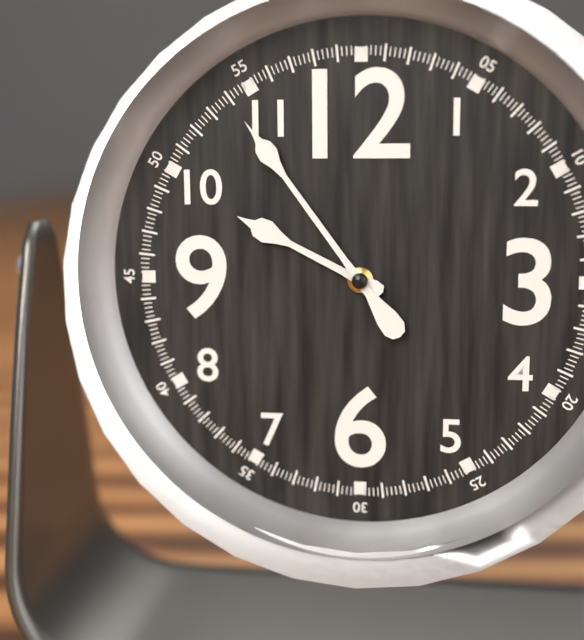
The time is h=9 m=54
